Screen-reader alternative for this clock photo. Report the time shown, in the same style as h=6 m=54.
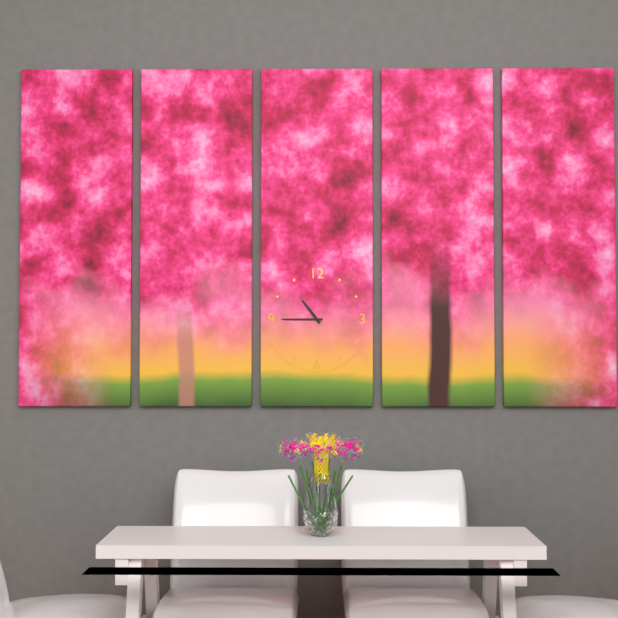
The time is h=10 m=45
